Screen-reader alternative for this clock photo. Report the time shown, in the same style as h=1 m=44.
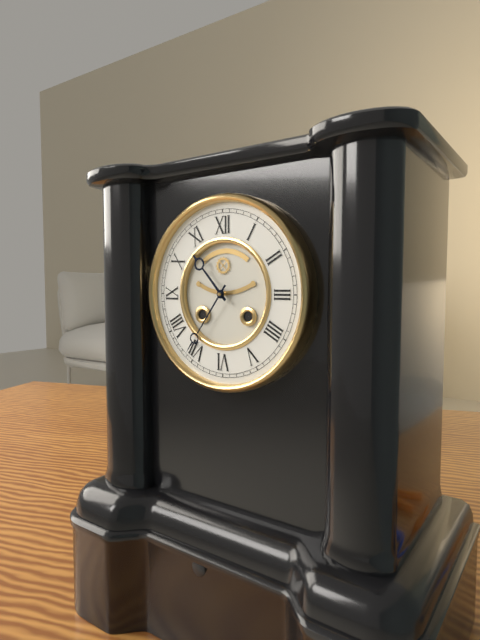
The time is h=10 m=36
